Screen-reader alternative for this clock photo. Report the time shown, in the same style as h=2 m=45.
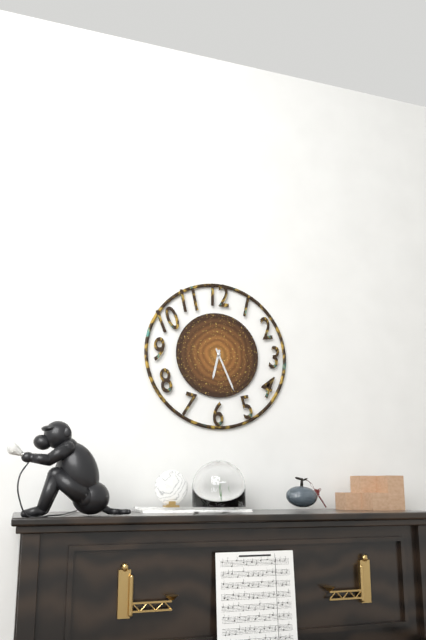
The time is h=6 m=26
